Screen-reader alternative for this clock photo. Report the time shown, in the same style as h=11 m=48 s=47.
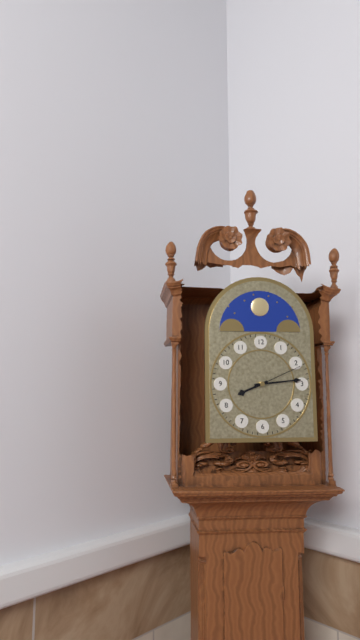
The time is h=8 m=14 s=11
